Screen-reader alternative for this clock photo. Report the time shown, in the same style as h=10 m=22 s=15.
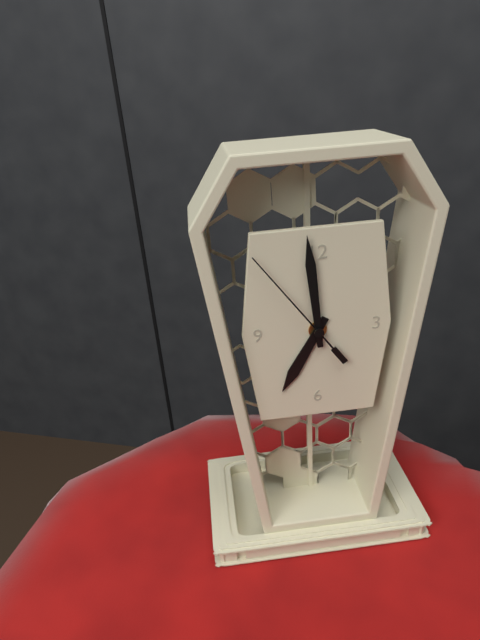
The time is h=6 m=59 s=54
